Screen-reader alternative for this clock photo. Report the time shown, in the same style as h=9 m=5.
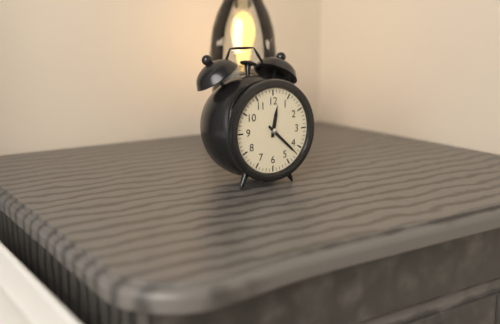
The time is h=12 m=22
